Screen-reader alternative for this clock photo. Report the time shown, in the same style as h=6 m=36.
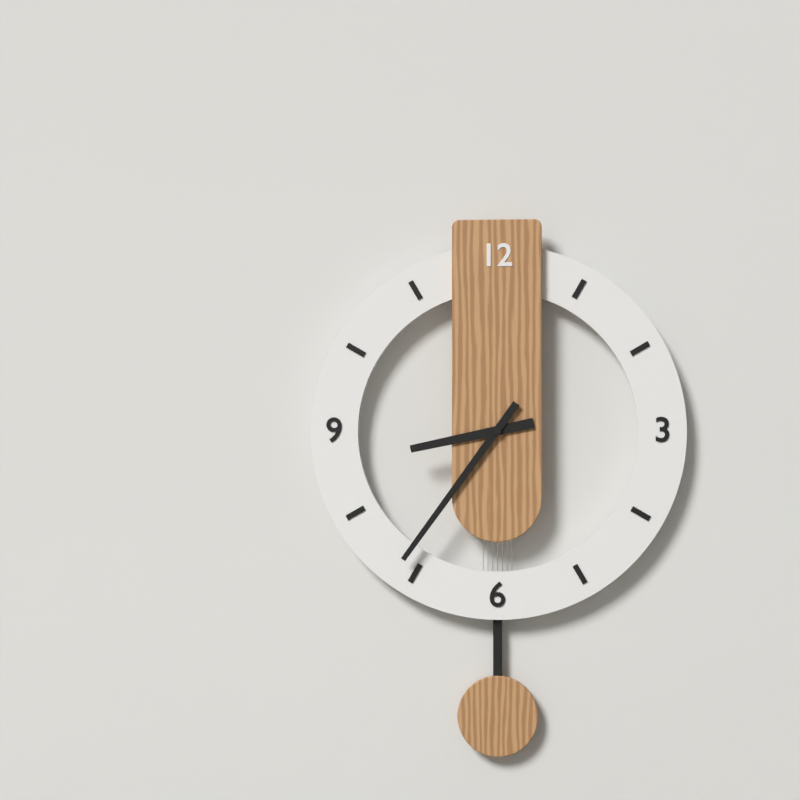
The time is h=8 m=36
